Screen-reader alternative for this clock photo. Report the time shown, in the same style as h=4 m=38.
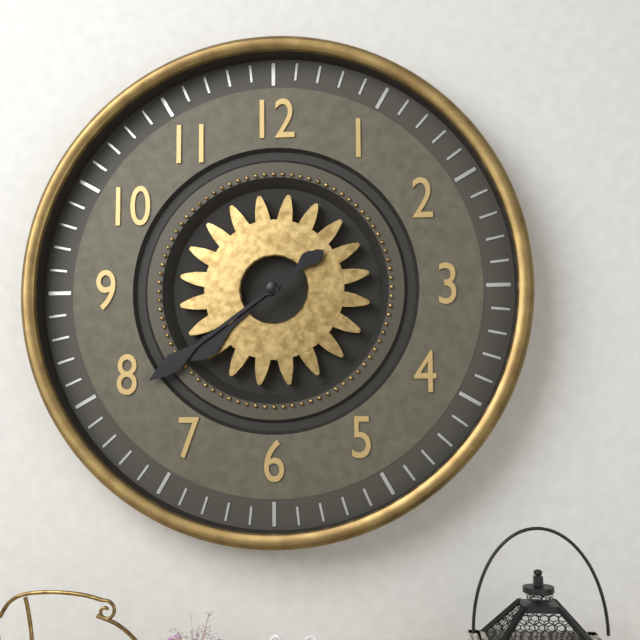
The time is h=7 m=39
